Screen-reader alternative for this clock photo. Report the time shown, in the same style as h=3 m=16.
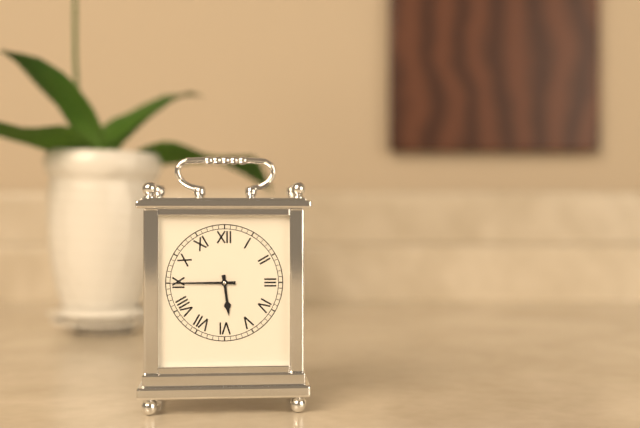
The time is h=5 m=45
